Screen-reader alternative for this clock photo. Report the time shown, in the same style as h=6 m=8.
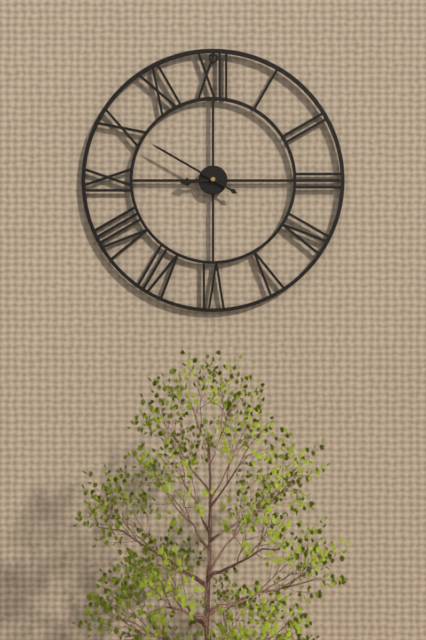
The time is h=8 m=50
